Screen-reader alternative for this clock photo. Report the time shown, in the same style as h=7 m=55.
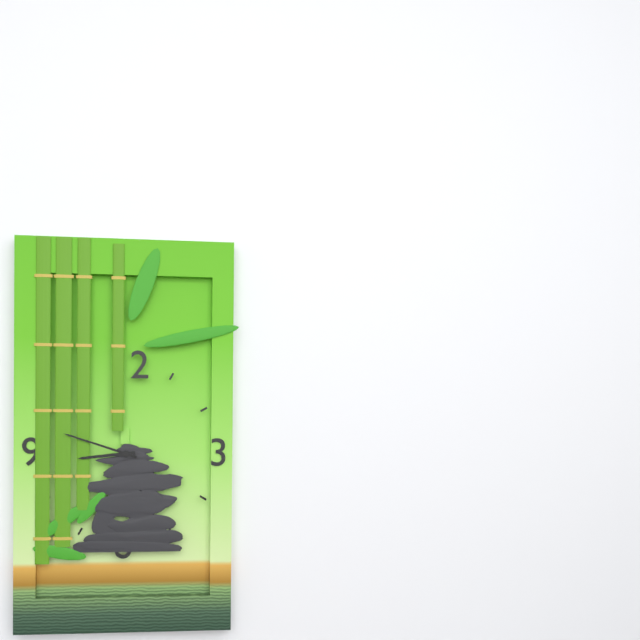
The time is h=8 m=48
